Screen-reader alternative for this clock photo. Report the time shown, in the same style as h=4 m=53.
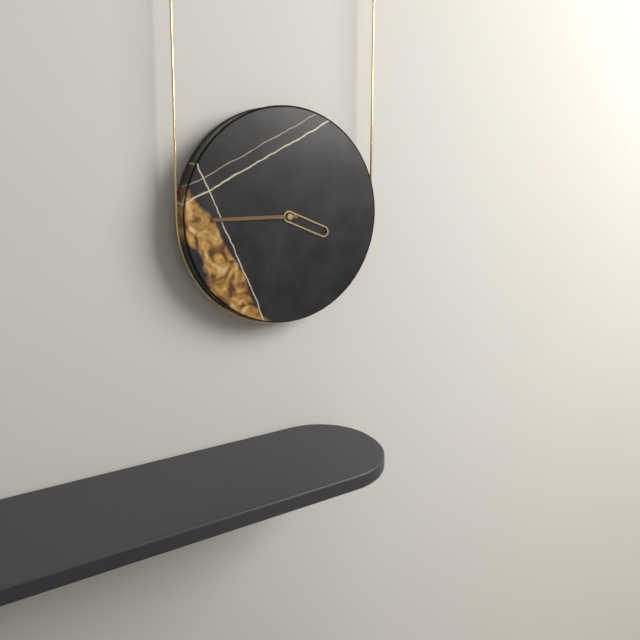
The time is h=3 m=45
